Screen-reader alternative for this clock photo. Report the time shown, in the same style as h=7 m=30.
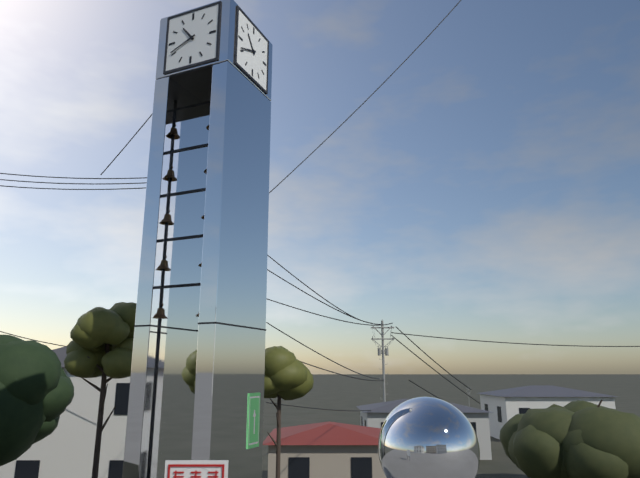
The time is h=10 m=41
